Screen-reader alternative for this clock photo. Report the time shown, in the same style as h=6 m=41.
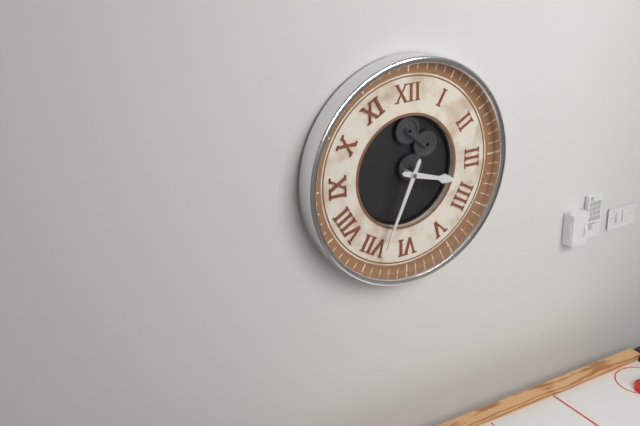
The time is h=3 m=34
